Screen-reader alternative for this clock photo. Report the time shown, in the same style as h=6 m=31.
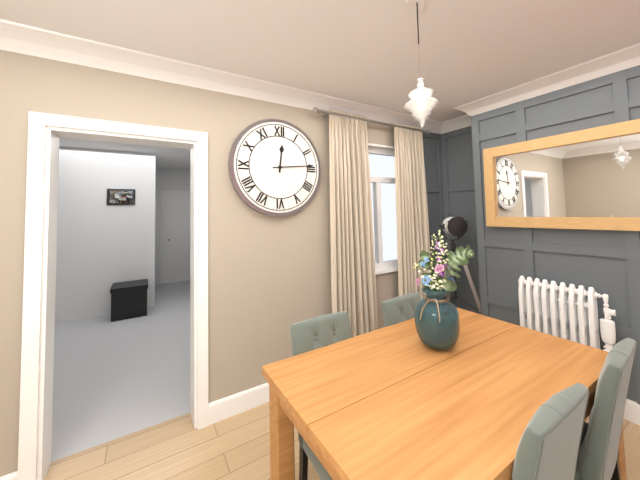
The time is h=12 m=14
